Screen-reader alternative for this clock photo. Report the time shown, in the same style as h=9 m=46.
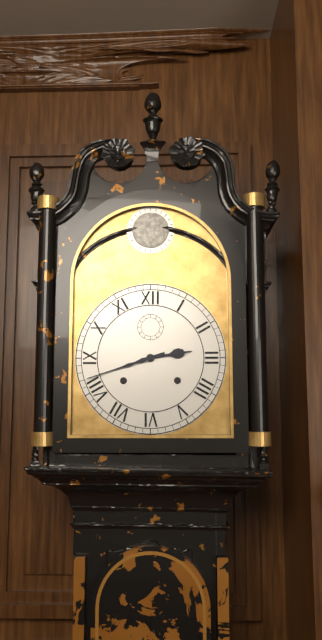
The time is h=2 m=42
